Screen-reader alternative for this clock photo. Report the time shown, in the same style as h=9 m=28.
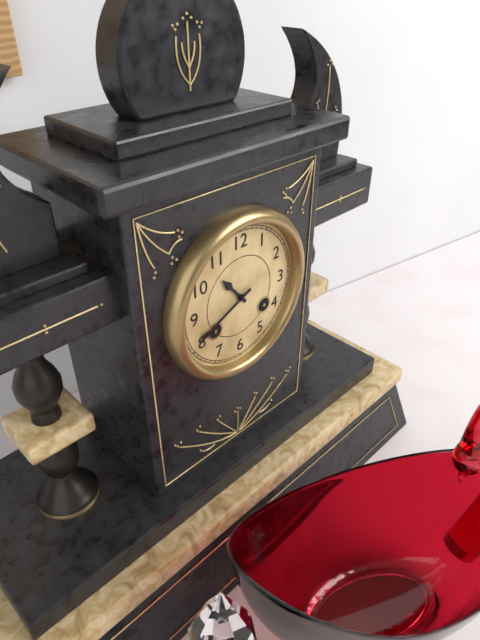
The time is h=10 m=41
